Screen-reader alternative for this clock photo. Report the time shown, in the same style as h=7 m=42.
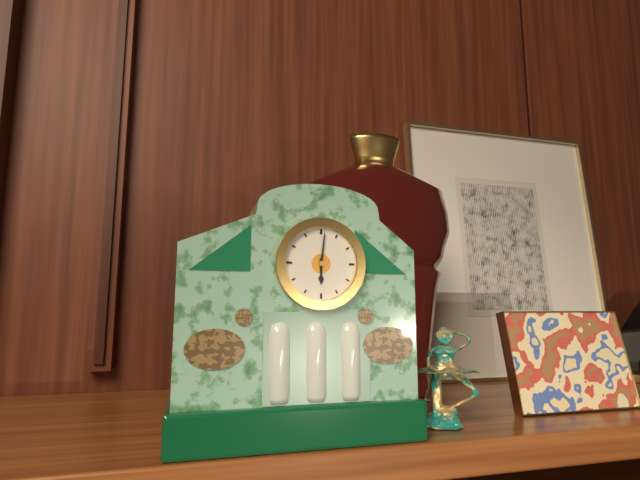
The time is h=6 m=1
